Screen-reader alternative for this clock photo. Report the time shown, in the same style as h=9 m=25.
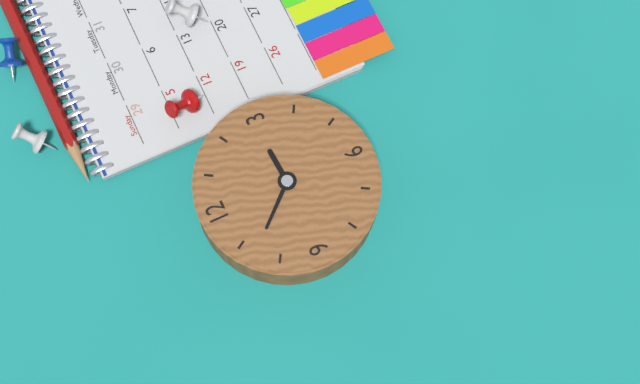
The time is h=2 m=53
